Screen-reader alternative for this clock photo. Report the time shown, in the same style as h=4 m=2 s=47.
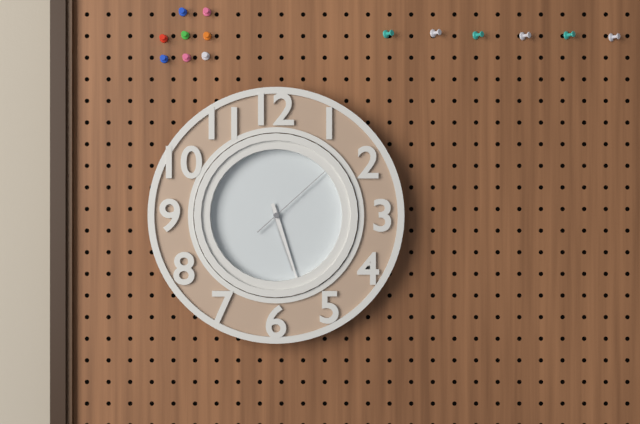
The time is h=5 m=27 s=8
